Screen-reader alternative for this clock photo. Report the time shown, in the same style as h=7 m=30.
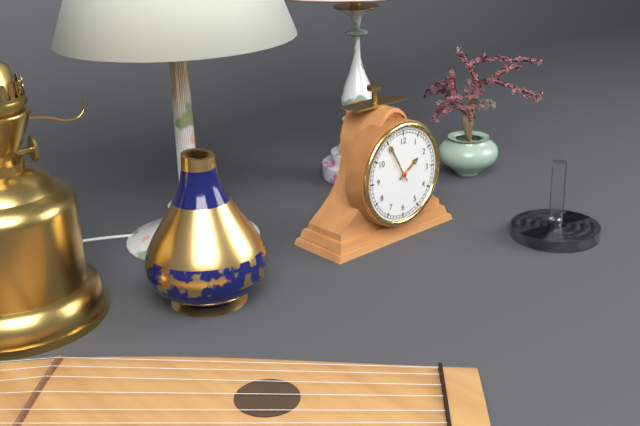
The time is h=1 m=55
